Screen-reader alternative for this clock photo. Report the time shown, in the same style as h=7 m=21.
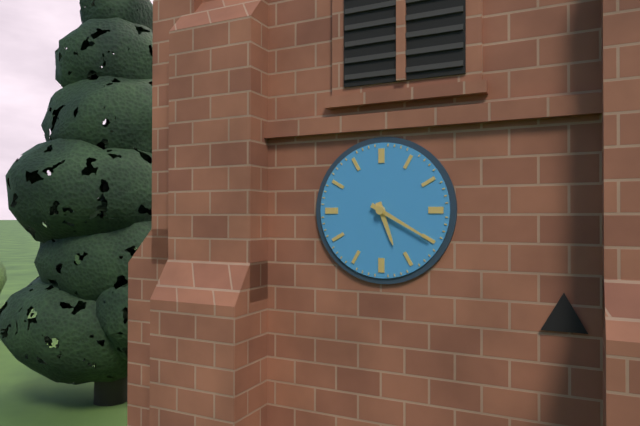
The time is h=5 m=20
